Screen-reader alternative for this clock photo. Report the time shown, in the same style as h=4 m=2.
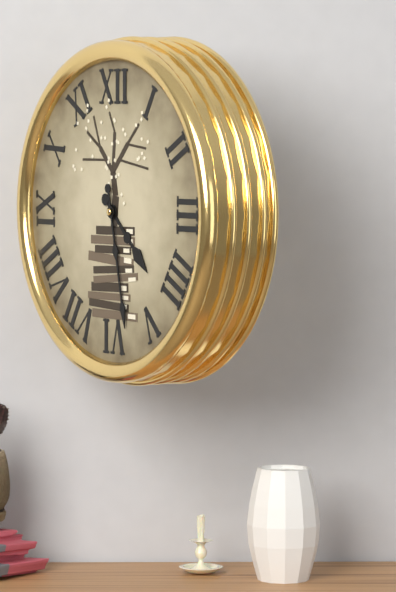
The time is h=4 m=28
